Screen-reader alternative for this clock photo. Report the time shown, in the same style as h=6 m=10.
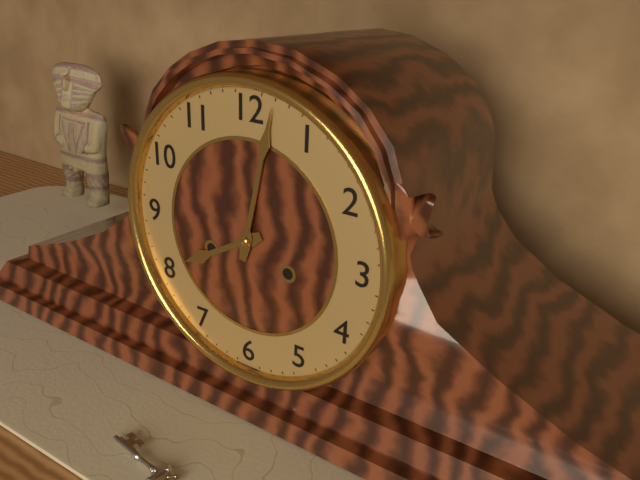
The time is h=8 m=2
